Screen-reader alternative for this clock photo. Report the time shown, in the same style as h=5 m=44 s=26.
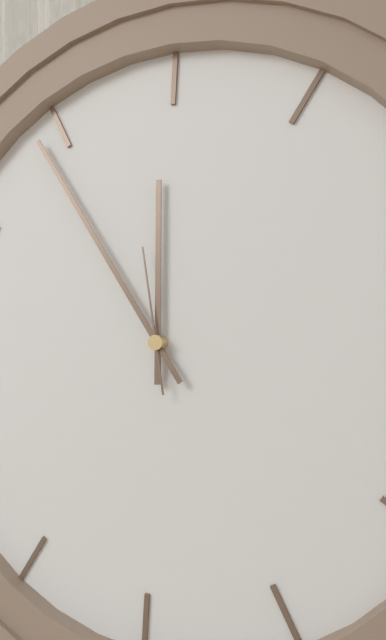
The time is h=11 m=54 s=58
